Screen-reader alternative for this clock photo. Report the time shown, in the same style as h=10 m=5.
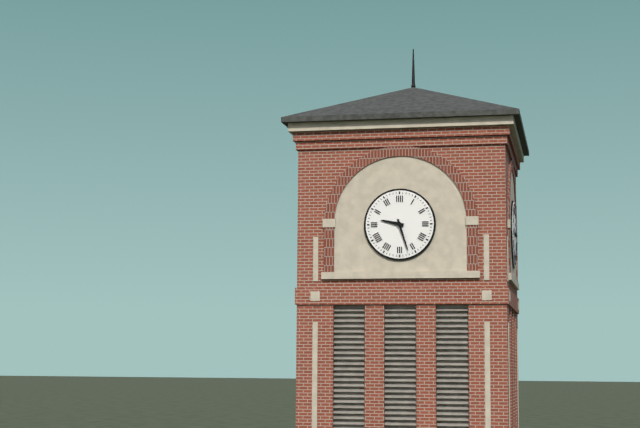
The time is h=9 m=27
